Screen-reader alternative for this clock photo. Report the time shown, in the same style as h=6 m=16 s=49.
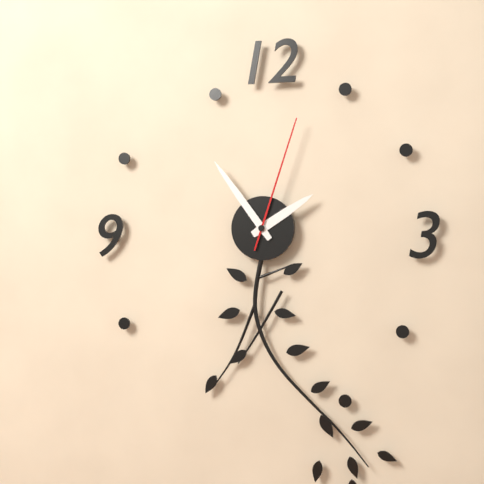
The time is h=1 m=54 s=3
